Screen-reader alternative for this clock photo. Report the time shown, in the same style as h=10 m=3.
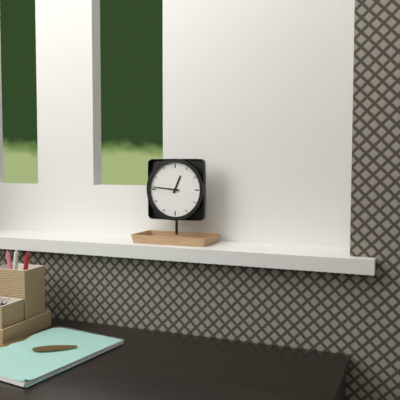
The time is h=12 m=46
